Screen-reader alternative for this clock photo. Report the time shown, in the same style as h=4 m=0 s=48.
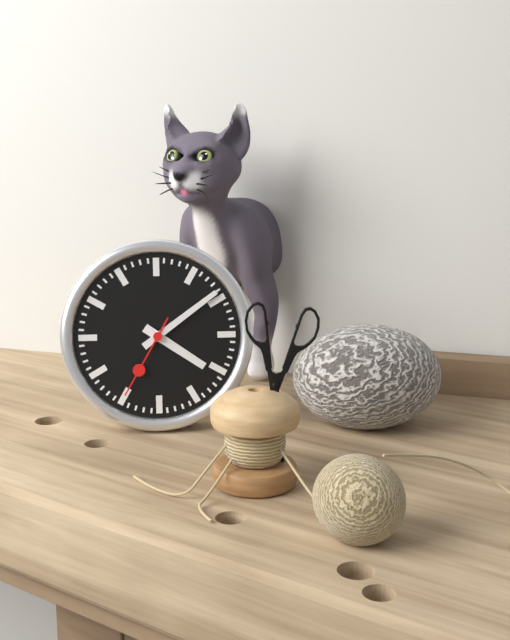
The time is h=4 m=9 s=35
